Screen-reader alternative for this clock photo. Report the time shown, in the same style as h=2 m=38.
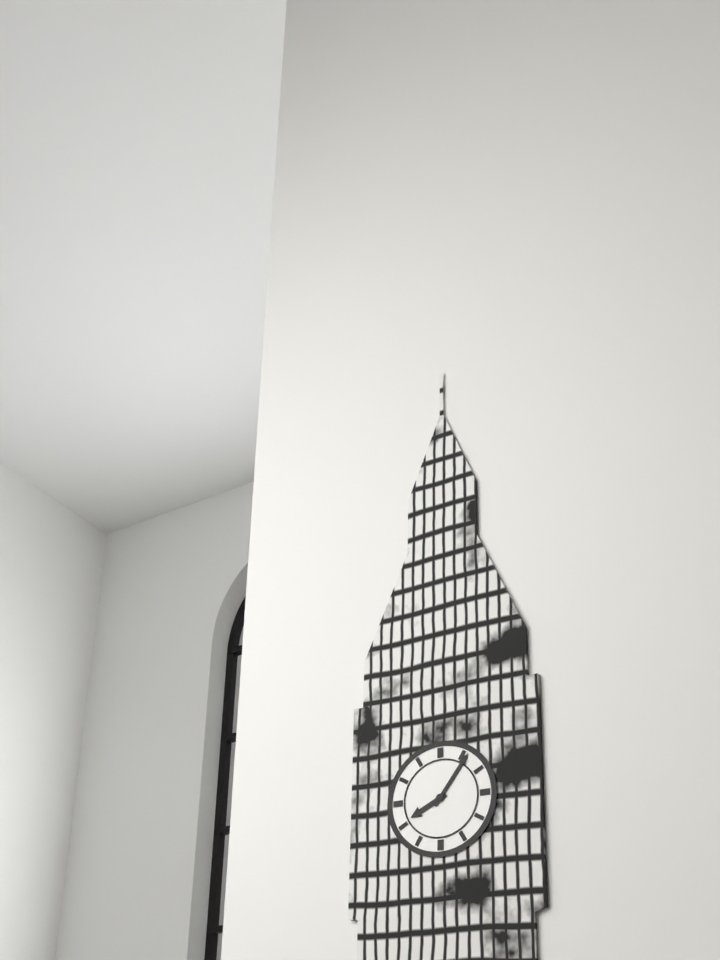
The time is h=8 m=6
